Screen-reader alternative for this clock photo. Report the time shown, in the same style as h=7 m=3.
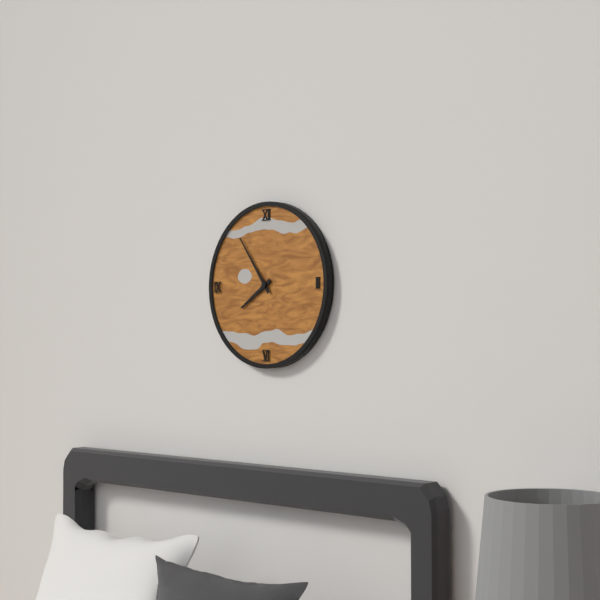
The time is h=7 m=54
